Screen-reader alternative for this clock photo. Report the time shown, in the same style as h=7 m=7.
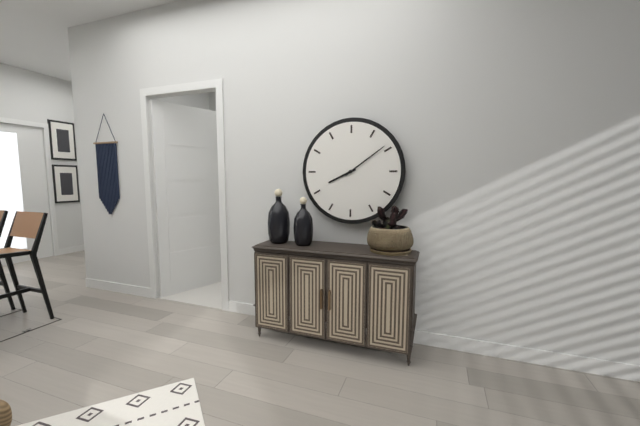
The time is h=8 m=9
